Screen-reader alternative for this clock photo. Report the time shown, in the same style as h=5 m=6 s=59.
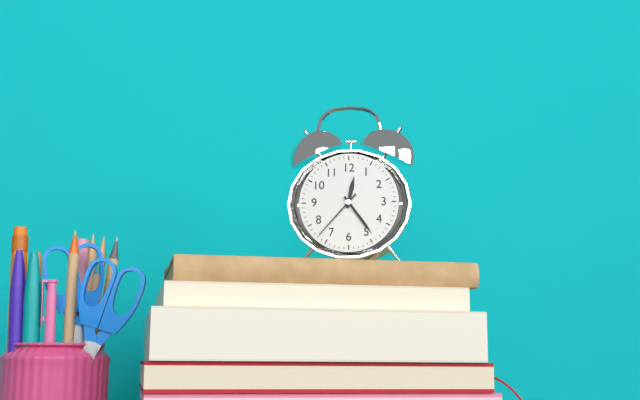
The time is h=12 m=24 s=37
